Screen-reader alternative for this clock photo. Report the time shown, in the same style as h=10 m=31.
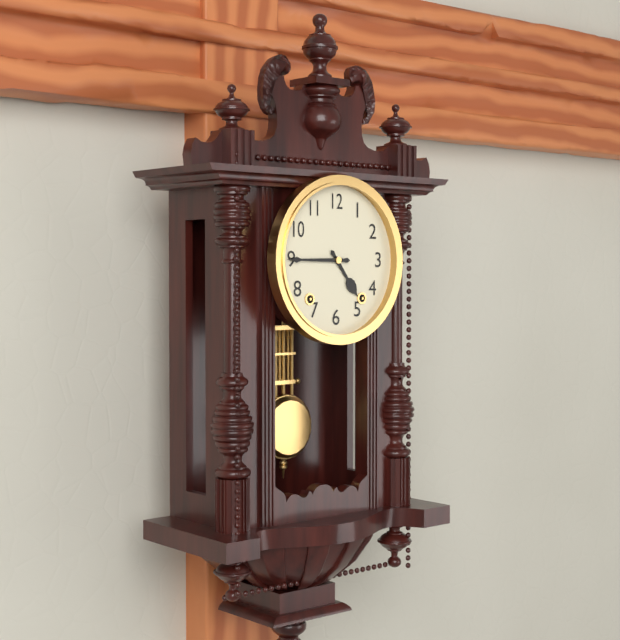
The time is h=4 m=45
